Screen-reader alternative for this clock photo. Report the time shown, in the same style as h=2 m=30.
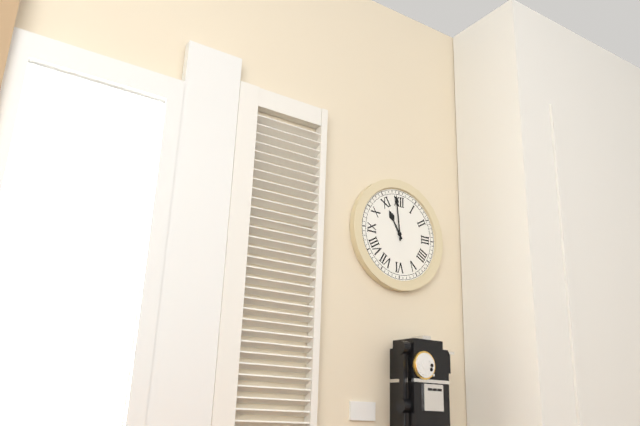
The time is h=10 m=59
